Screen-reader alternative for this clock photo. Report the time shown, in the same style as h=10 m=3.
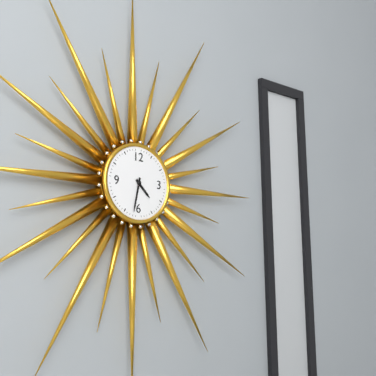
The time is h=4 m=32
